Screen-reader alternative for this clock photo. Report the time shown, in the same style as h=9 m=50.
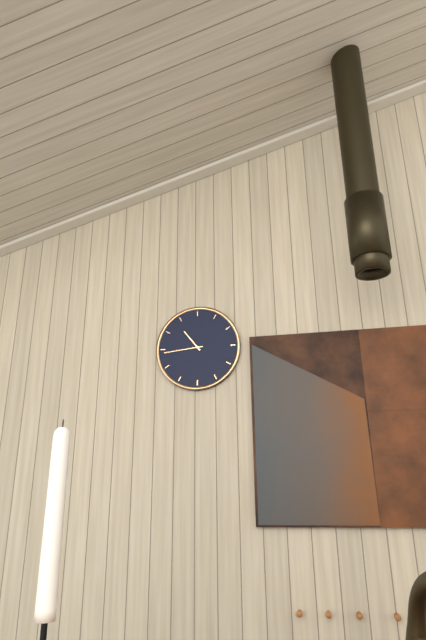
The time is h=10 m=44
